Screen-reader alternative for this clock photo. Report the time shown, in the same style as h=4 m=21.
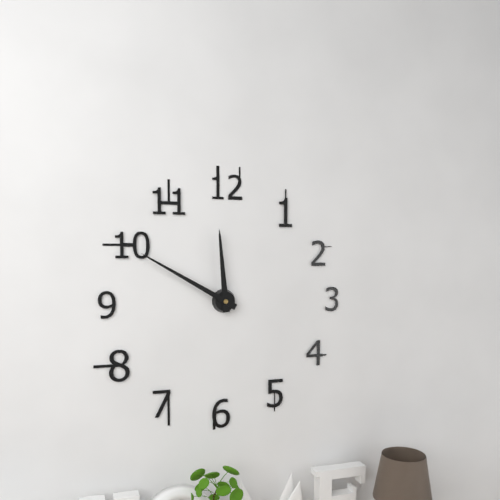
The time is h=11 m=50
